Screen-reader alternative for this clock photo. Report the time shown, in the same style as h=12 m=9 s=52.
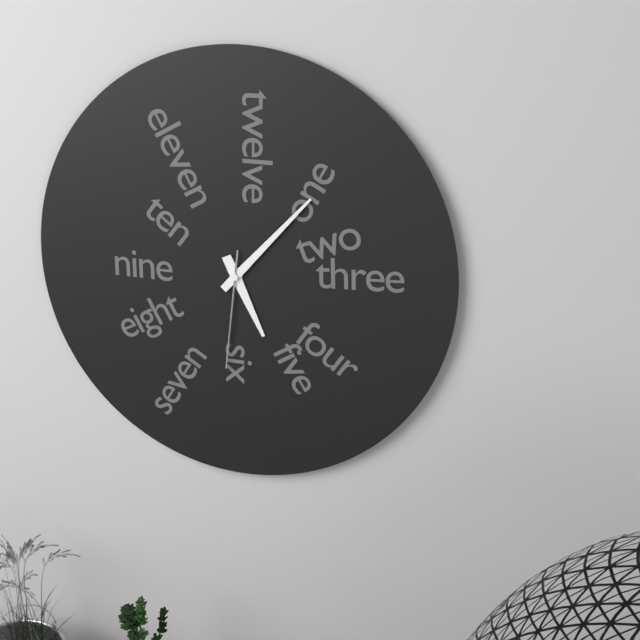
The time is h=5 m=7 s=31
